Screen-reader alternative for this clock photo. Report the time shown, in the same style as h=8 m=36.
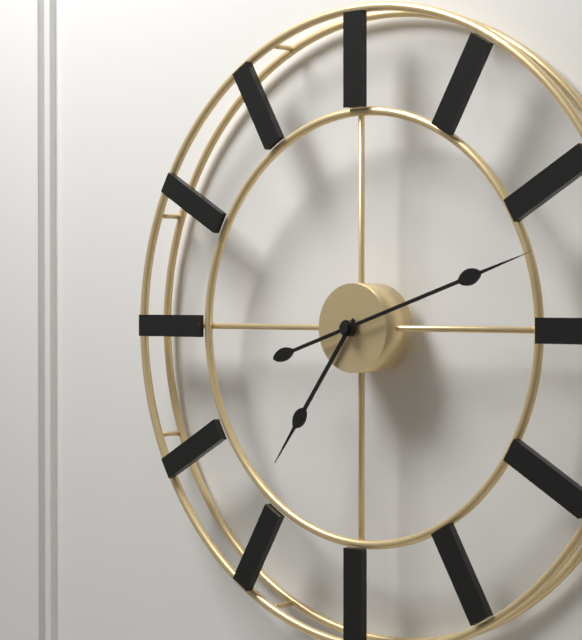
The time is h=7 m=12
